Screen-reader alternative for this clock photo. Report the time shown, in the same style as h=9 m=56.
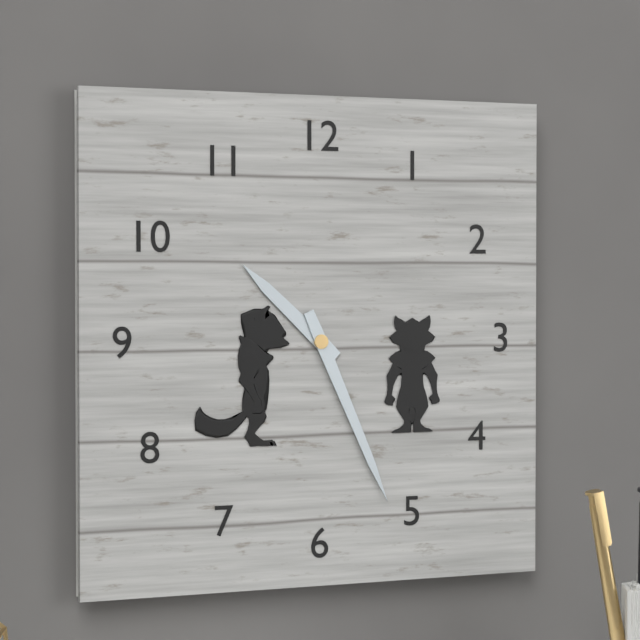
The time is h=10 m=26
